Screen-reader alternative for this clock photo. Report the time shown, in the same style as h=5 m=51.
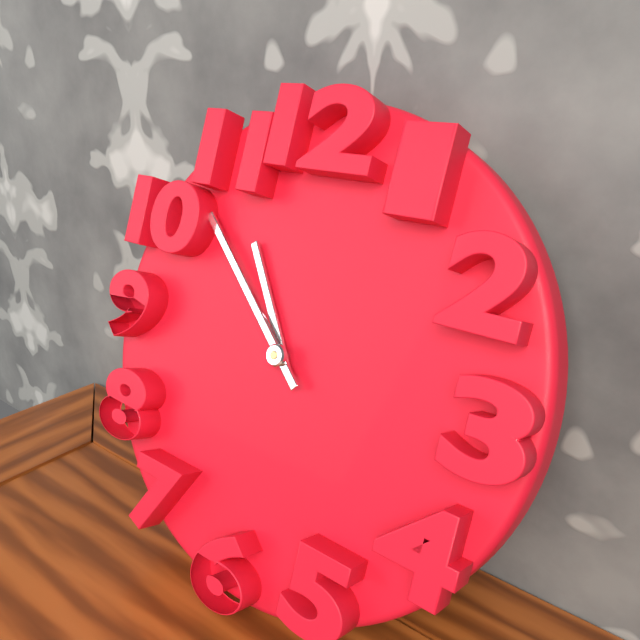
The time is h=10 m=52
